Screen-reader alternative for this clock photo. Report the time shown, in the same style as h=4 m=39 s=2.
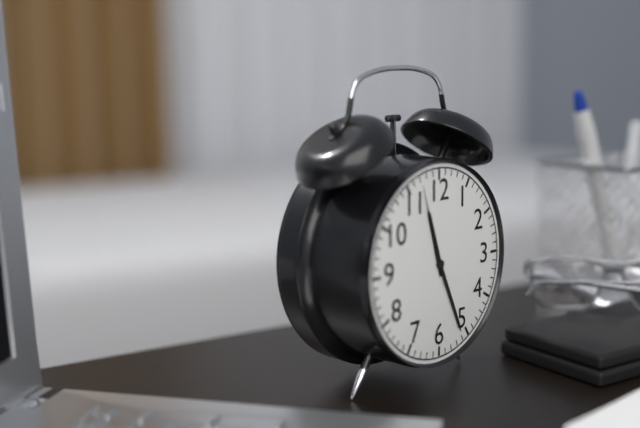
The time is h=11 m=26 s=57
